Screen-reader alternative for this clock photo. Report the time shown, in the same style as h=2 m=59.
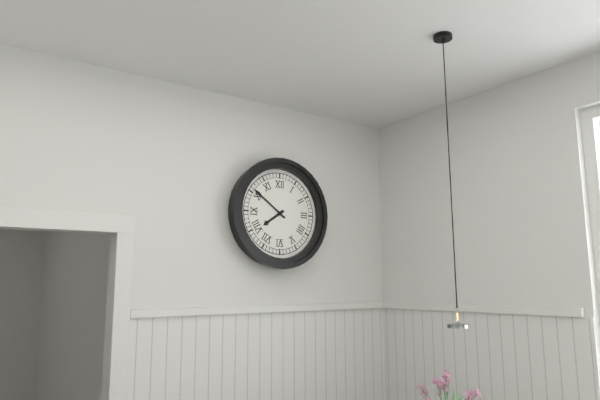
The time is h=7 m=51
